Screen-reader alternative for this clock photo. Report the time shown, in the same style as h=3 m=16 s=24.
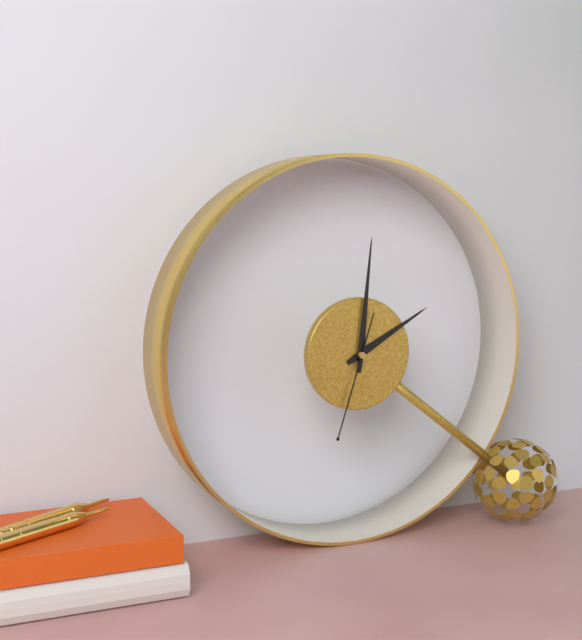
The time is h=2 m=1 s=33
